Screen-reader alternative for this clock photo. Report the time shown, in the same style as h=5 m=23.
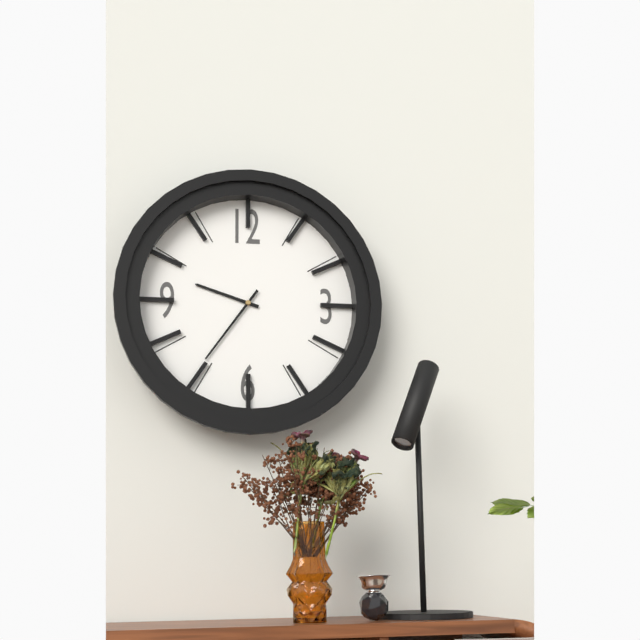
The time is h=9 m=36
